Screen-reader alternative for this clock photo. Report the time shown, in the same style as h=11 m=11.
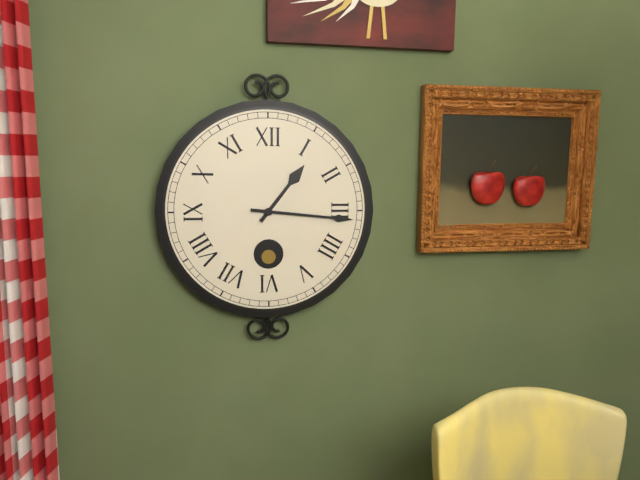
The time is h=1 m=16
